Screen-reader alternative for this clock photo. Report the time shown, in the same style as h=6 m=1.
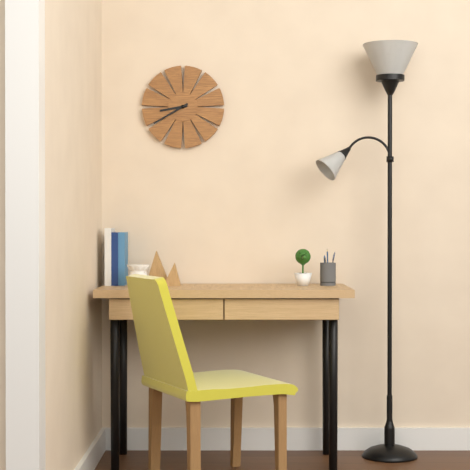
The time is h=8 m=40
